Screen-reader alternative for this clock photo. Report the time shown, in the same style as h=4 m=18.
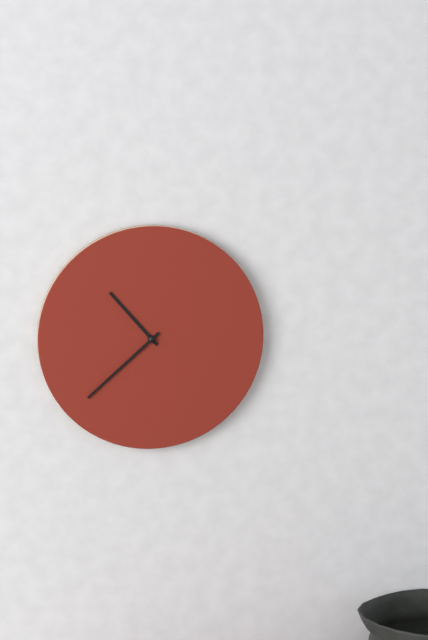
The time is h=10 m=38
